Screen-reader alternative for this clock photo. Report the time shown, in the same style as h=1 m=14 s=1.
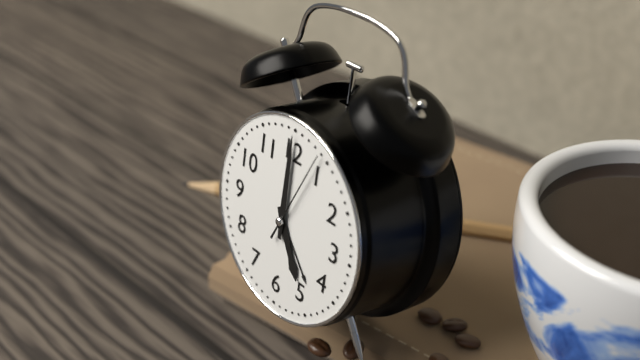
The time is h=5 m=0 s=4
